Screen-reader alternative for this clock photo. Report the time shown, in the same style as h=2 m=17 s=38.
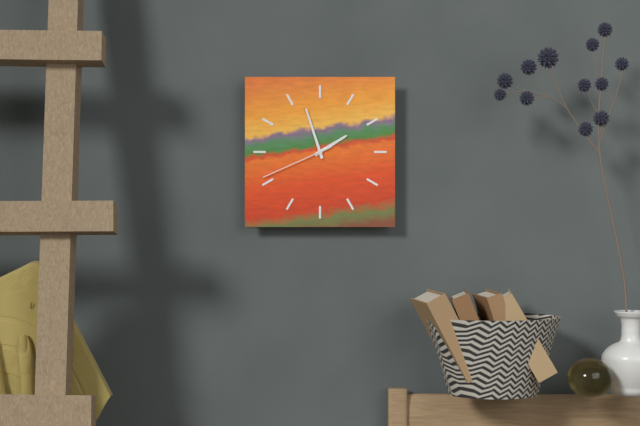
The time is h=1 m=57 s=41
